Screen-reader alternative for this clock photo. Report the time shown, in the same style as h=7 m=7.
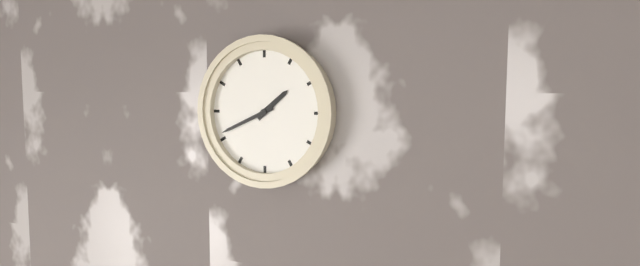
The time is h=1 m=41
